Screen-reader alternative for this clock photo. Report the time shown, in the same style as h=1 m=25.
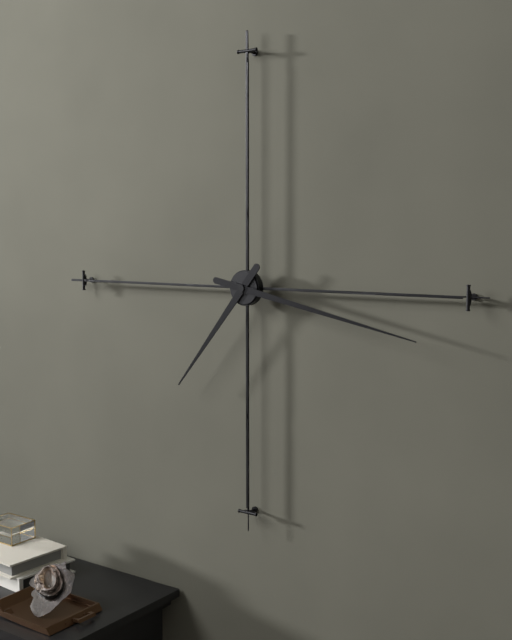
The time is h=7 m=17
